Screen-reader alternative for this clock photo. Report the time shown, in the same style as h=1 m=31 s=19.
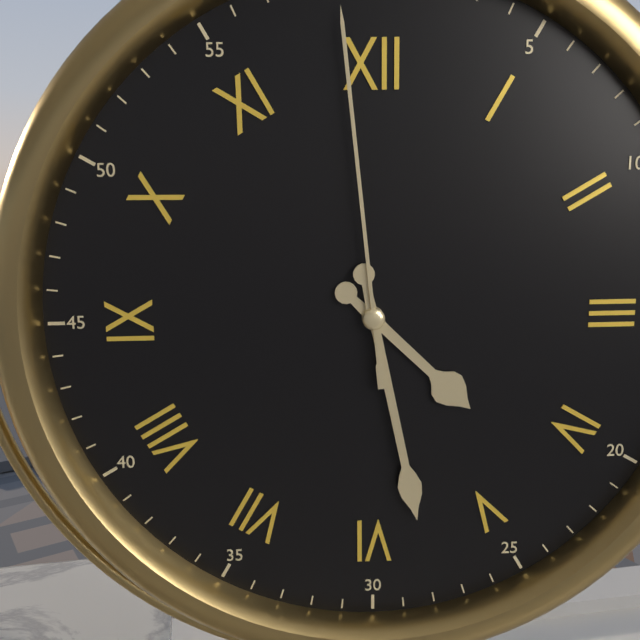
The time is h=4 m=28 s=59
